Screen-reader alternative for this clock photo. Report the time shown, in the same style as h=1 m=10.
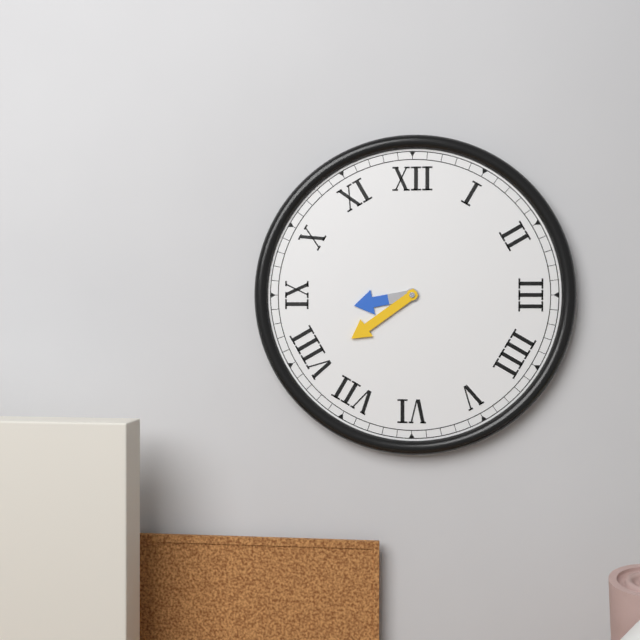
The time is h=8 m=39
